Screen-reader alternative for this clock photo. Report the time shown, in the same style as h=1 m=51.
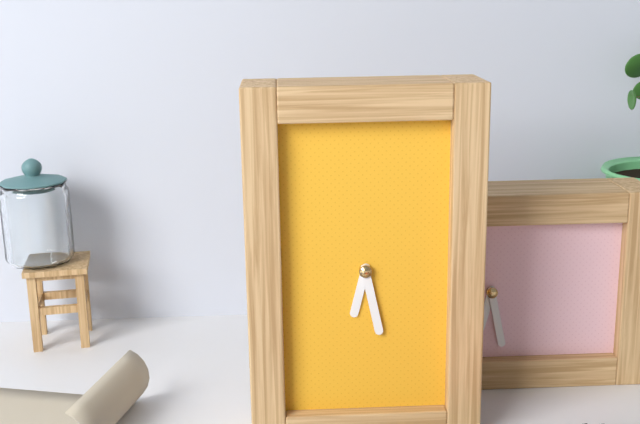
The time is h=6 m=28
